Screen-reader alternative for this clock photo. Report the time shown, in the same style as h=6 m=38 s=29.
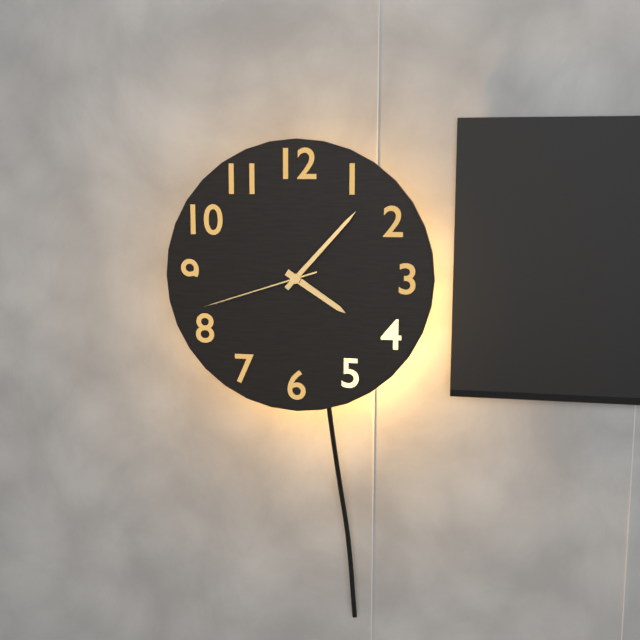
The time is h=4 m=7 s=42
